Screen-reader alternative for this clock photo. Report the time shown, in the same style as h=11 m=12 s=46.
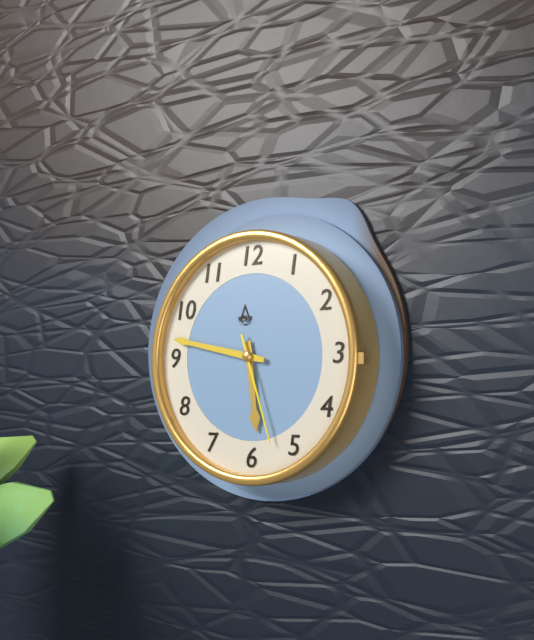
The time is h=5 m=47 s=27
